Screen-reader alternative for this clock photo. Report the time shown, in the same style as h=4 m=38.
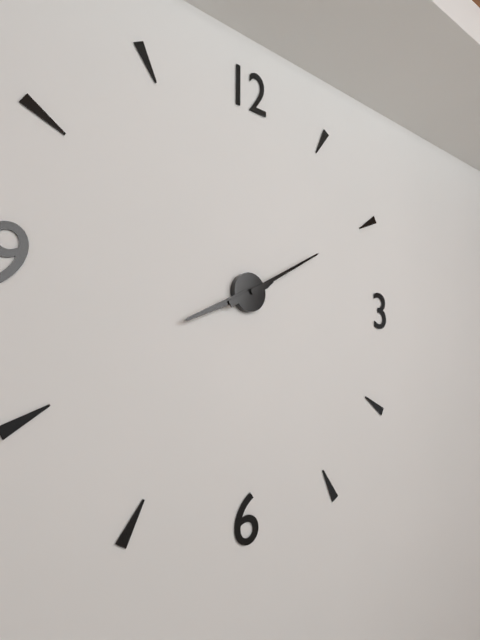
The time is h=8 m=10
